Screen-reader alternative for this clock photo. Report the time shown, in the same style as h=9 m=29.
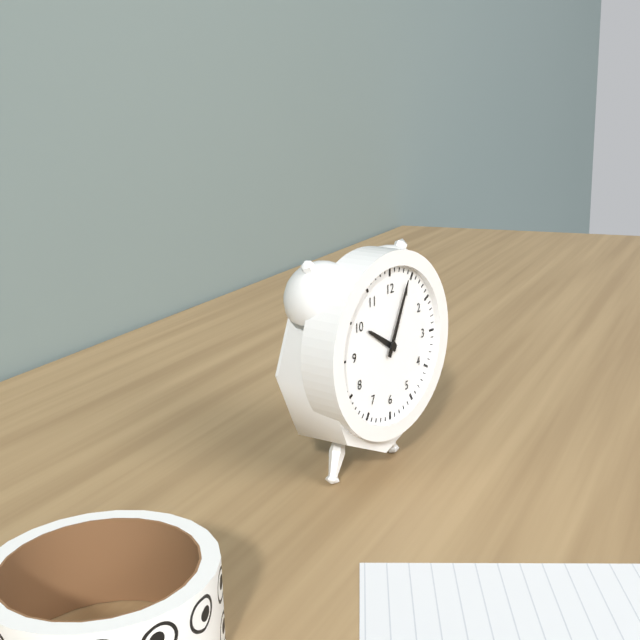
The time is h=10 m=4
